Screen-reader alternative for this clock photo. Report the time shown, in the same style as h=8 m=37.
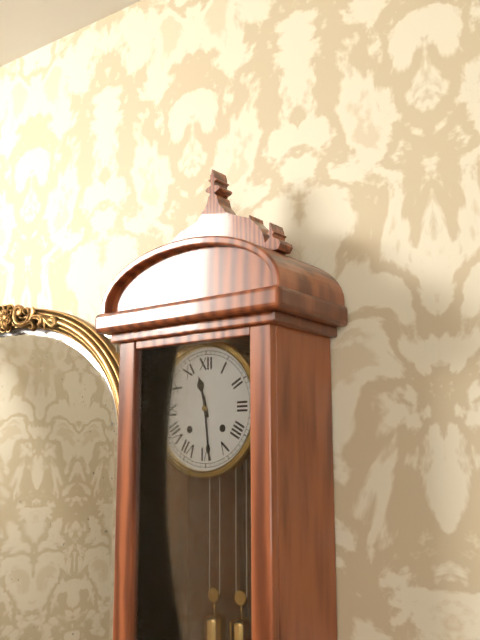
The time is h=11 m=29
